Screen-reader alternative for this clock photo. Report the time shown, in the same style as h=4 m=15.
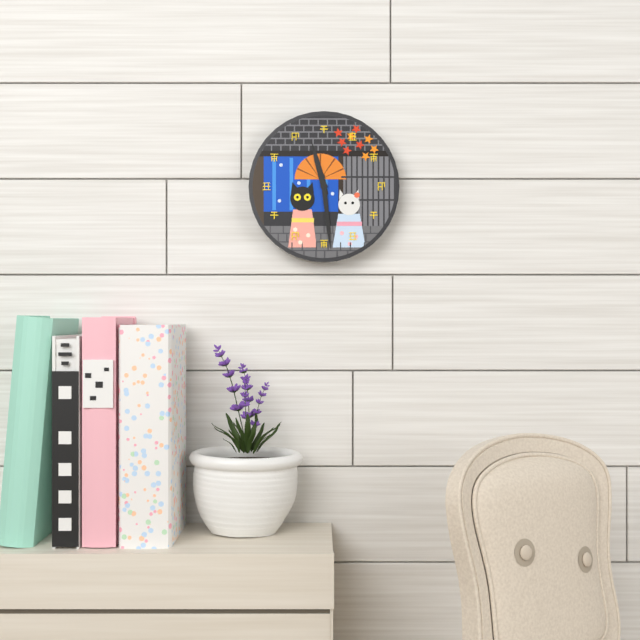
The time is h=11 m=29
